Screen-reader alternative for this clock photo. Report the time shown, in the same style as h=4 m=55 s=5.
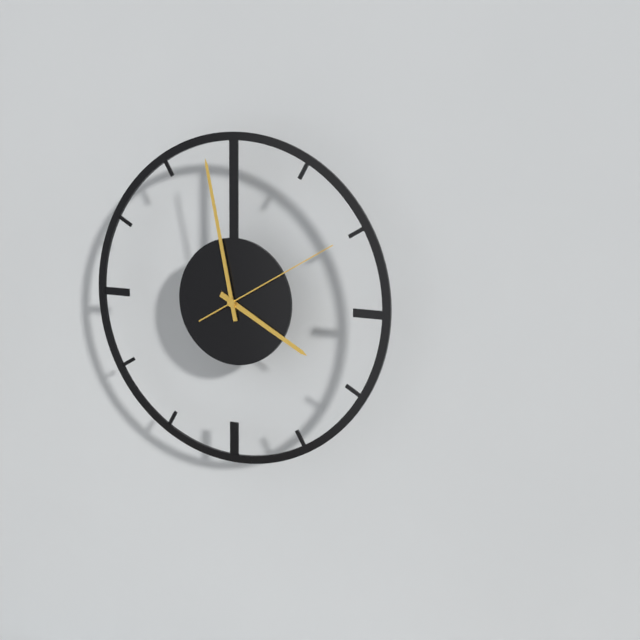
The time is h=3 m=58 s=10
